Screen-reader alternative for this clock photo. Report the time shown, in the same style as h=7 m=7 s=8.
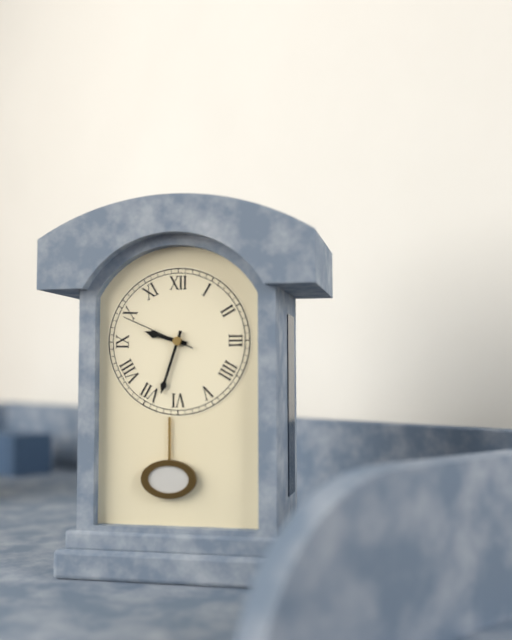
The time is h=9 m=33 s=49
